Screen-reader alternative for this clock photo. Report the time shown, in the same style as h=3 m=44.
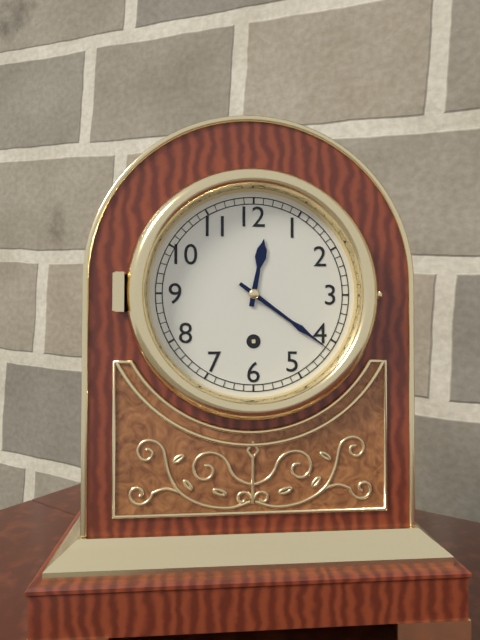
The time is h=12 m=21
